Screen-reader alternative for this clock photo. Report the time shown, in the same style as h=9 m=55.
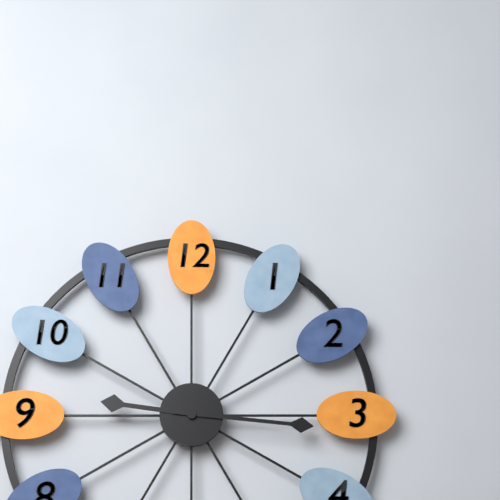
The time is h=9 m=16
